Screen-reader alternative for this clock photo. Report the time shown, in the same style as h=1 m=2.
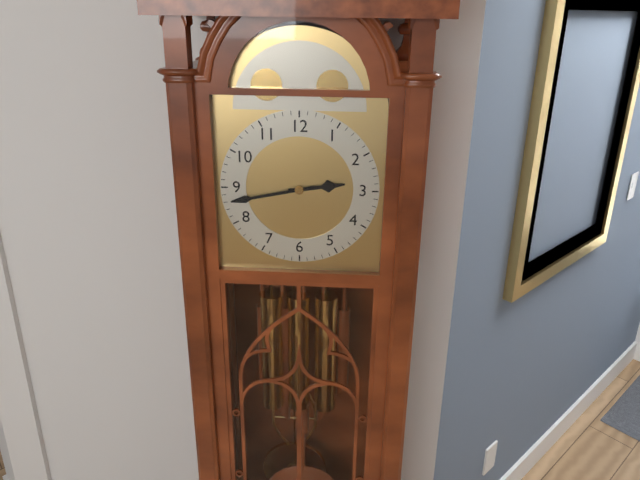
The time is h=2 m=43
